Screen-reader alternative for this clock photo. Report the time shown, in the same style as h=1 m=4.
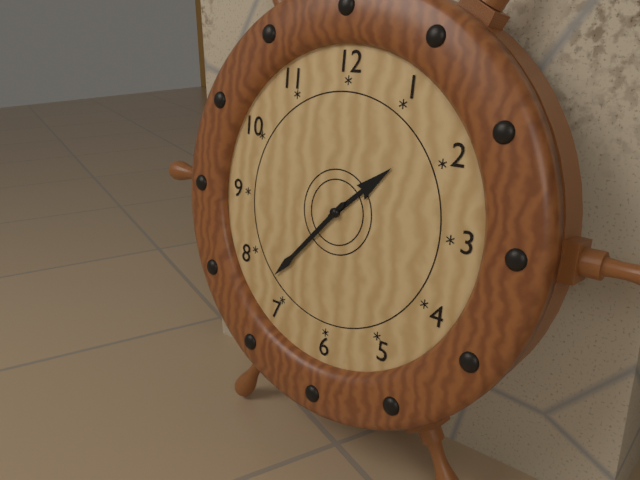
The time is h=1 m=37
